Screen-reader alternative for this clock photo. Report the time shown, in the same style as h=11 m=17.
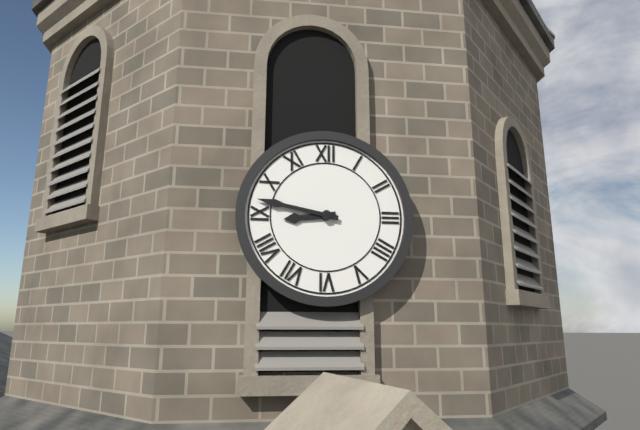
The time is h=8 m=47
